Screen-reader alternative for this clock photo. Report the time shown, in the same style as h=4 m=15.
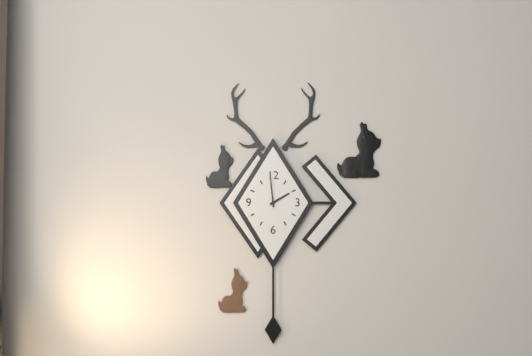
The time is h=1 m=59
